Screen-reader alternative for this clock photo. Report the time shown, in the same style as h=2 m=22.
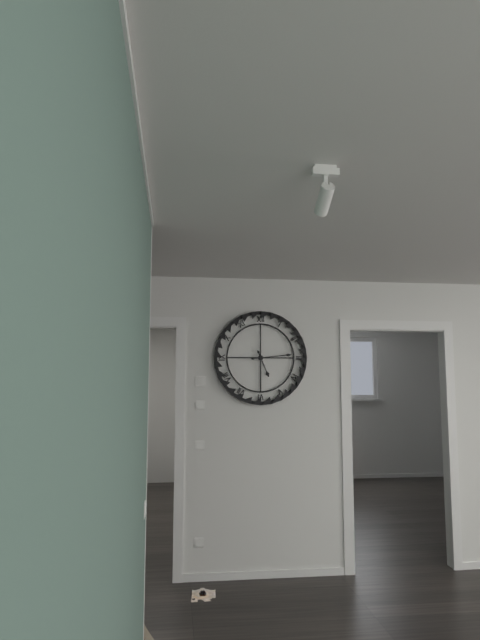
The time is h=5 m=14
